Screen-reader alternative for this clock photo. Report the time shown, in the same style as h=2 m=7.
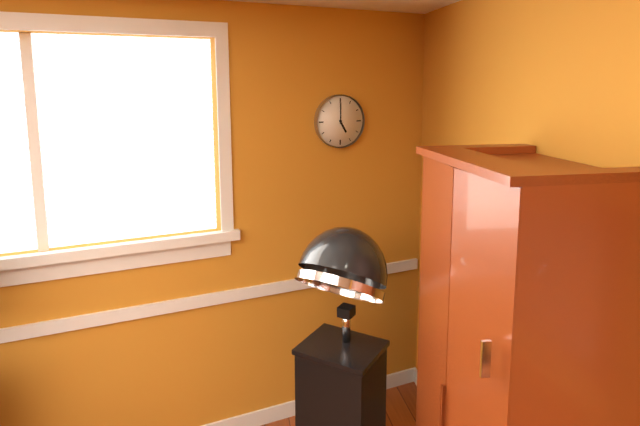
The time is h=5 m=0
